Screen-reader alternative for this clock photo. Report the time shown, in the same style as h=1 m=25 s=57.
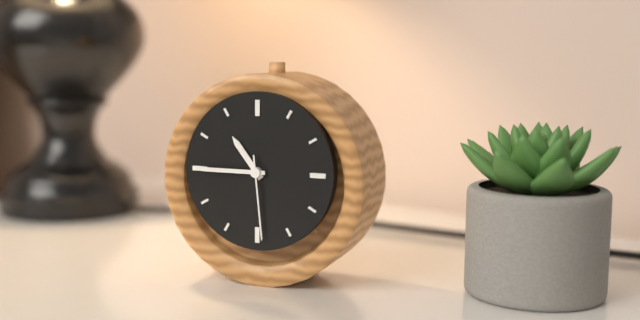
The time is h=10 m=45 s=29
